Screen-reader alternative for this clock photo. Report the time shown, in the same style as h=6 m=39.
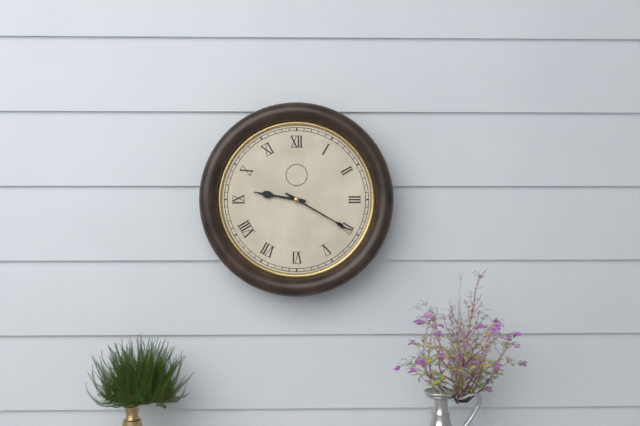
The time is h=9 m=20
